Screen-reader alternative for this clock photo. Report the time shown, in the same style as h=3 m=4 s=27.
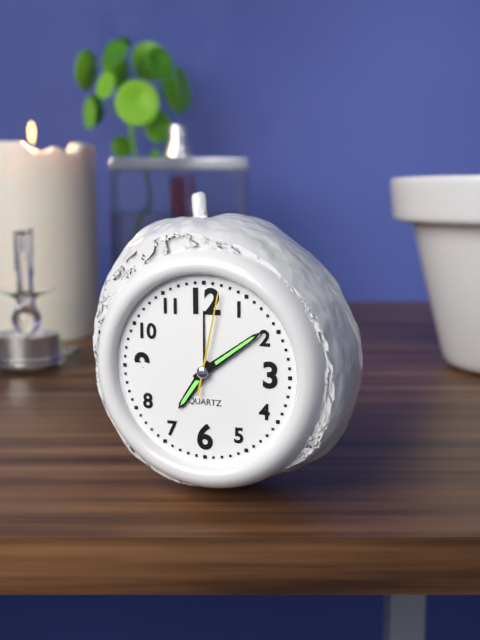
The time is h=7 m=9 s=2
